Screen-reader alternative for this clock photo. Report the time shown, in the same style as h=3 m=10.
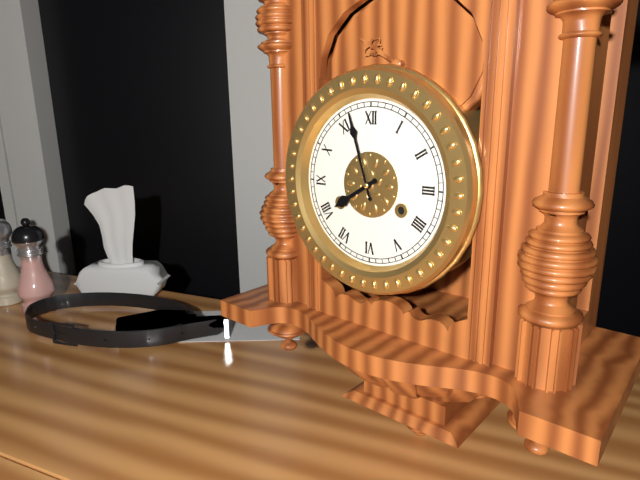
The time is h=7 m=57
